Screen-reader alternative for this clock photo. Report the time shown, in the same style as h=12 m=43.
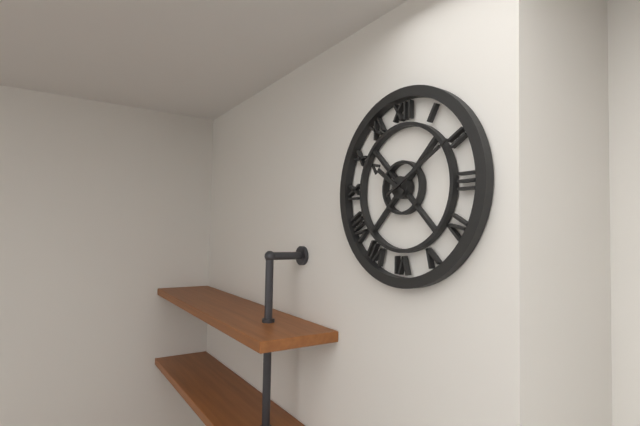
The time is h=10 m=10
